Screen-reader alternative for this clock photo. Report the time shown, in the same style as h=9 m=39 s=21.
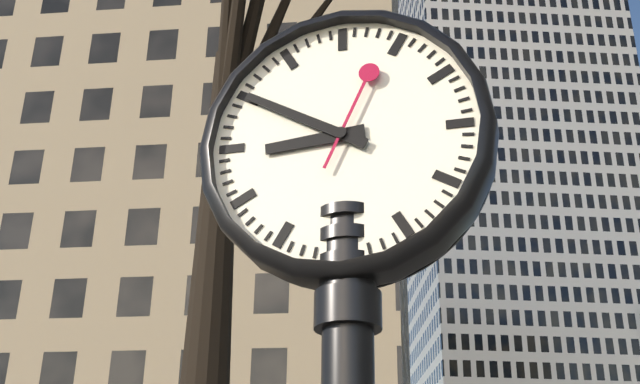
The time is h=8 m=50 s=4
